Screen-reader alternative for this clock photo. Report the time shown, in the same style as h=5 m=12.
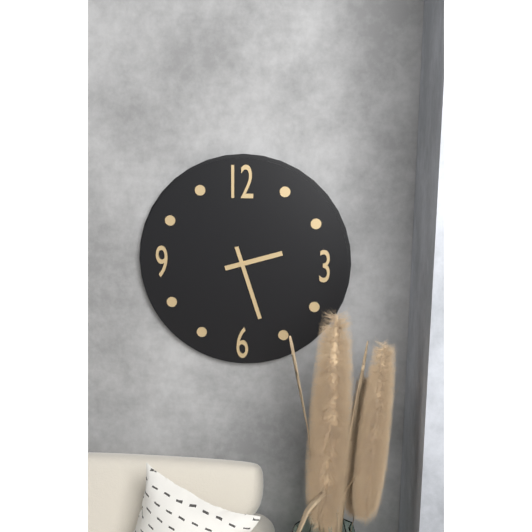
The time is h=2 m=27
